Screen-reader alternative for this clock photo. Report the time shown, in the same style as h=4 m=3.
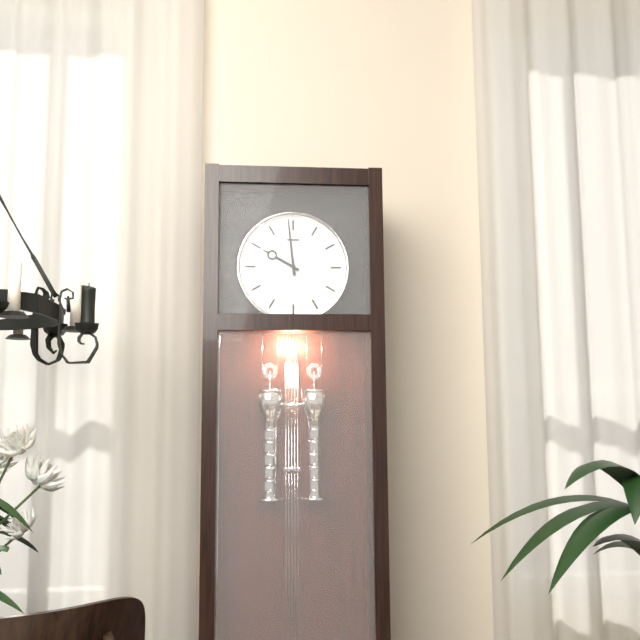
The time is h=9 m=59
